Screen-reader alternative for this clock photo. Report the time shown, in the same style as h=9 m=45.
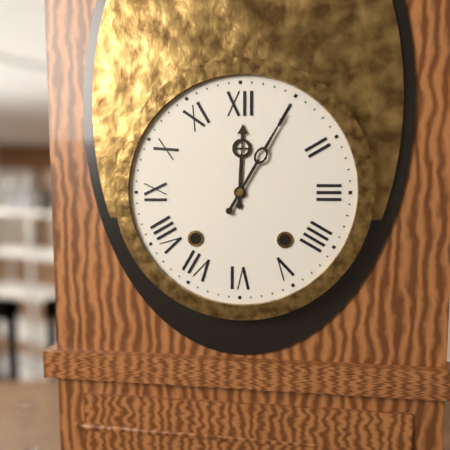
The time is h=12 m=5
